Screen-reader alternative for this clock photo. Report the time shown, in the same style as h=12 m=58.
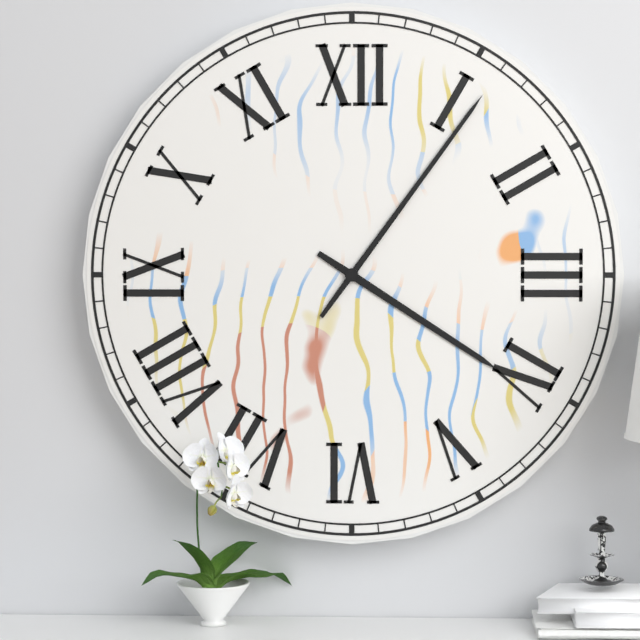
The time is h=4 m=6
